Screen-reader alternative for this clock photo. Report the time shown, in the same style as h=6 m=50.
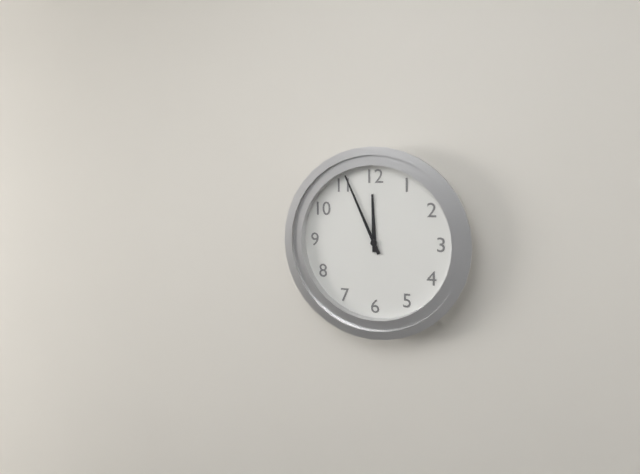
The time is h=11 m=56
